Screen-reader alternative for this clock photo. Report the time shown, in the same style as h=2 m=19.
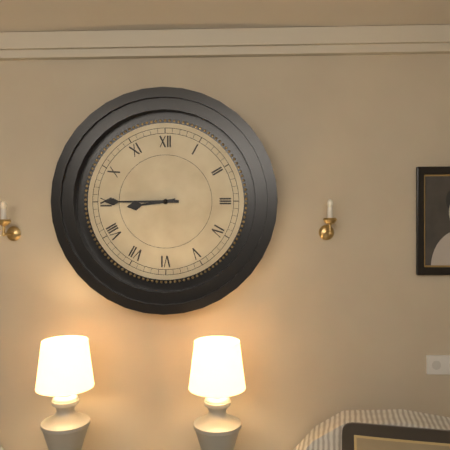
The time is h=8 m=45
